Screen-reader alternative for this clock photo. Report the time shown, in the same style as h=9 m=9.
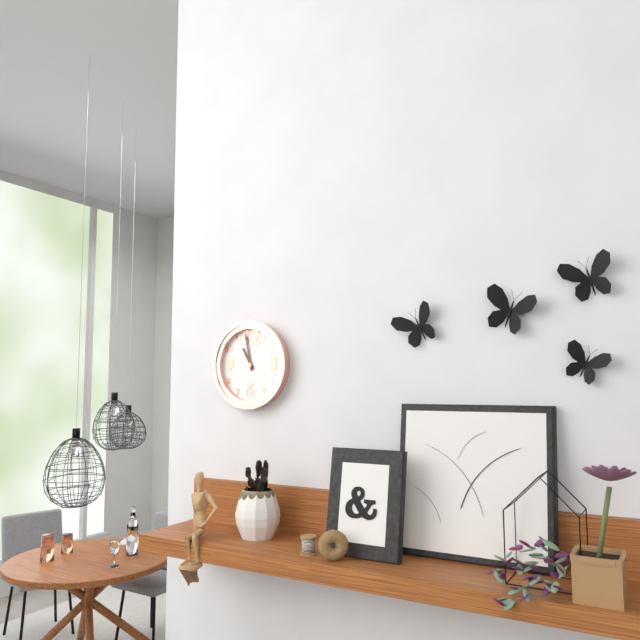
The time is h=10 m=58
